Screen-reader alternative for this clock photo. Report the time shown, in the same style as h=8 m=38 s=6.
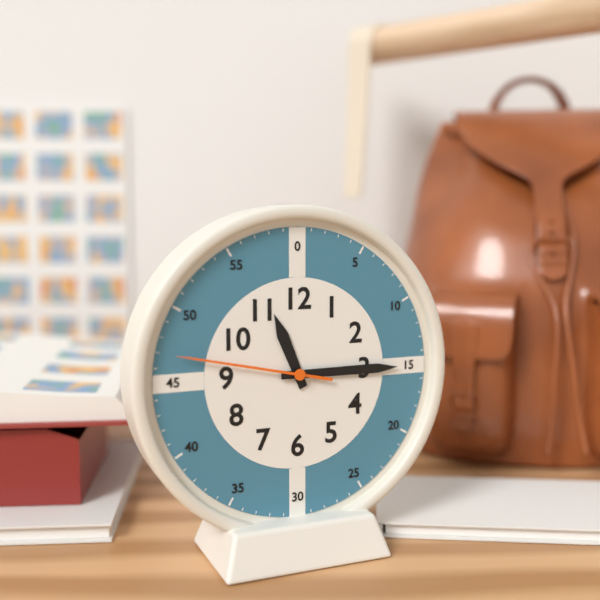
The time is h=11 m=15 s=47
